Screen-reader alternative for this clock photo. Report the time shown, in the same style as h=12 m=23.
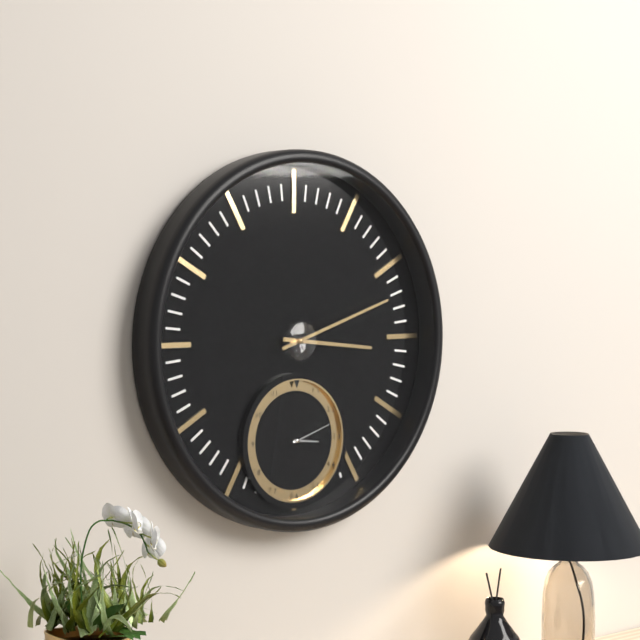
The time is h=3 m=12
